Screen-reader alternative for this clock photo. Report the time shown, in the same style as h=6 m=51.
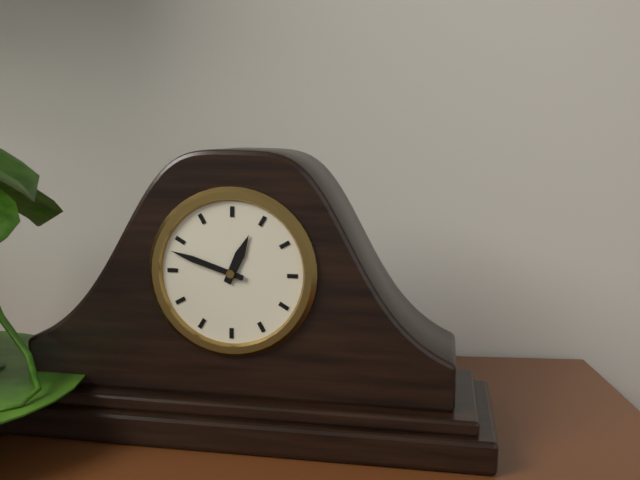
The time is h=12 m=48
